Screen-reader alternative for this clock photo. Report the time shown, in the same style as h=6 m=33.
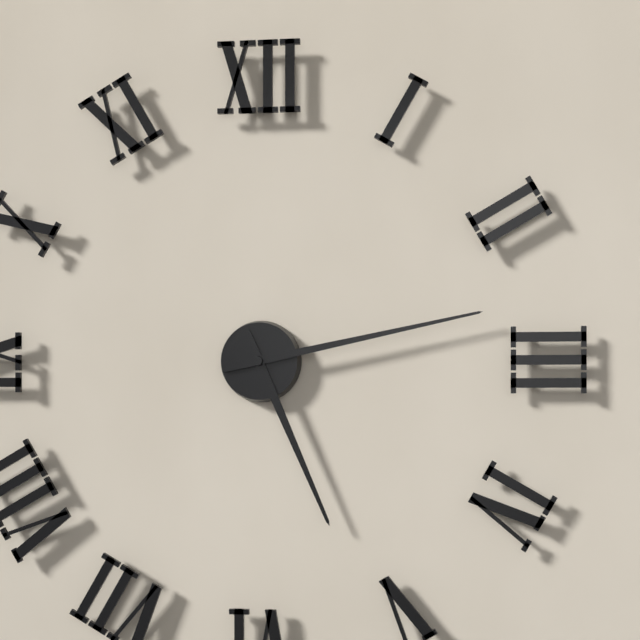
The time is h=5 m=13
